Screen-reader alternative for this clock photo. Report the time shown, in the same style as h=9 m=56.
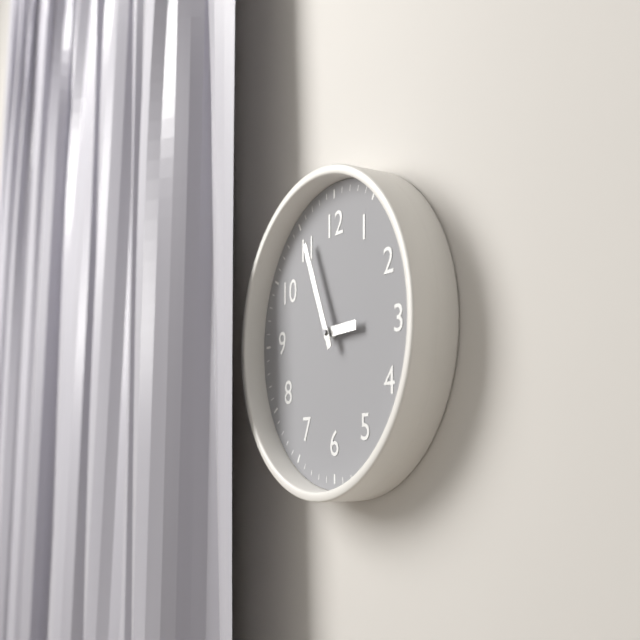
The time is h=2 m=56
